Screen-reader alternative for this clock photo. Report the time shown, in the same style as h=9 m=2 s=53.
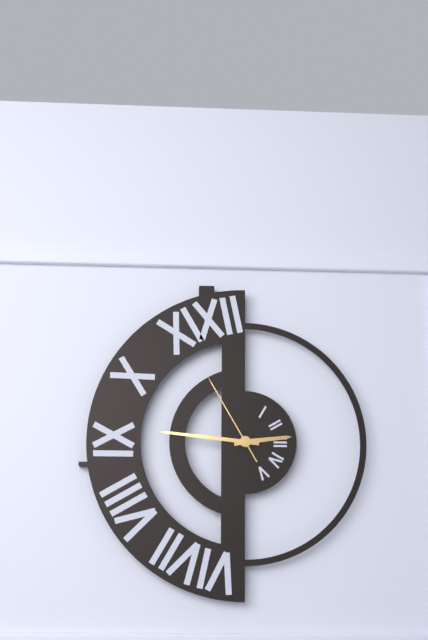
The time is h=2 m=46 s=55
